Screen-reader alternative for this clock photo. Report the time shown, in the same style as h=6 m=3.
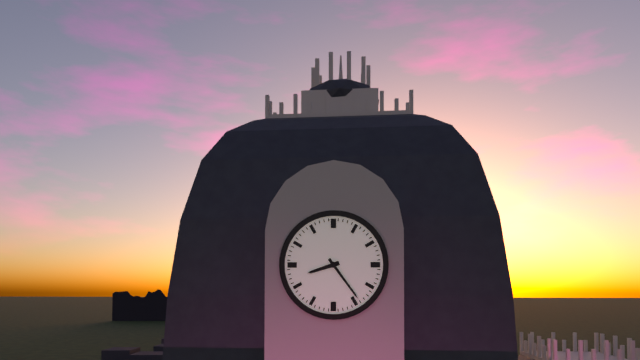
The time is h=8 m=24
